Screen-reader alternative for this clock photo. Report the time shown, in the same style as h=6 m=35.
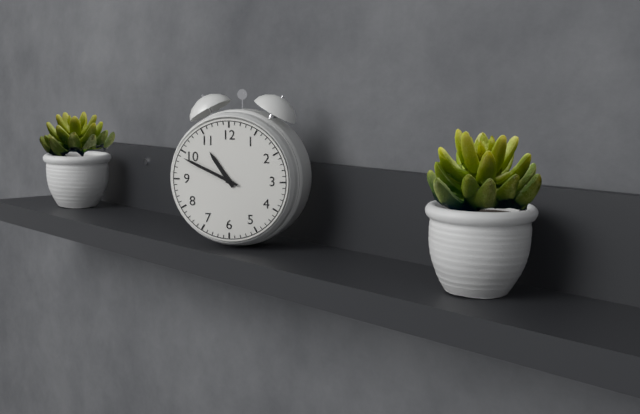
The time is h=10 m=49
